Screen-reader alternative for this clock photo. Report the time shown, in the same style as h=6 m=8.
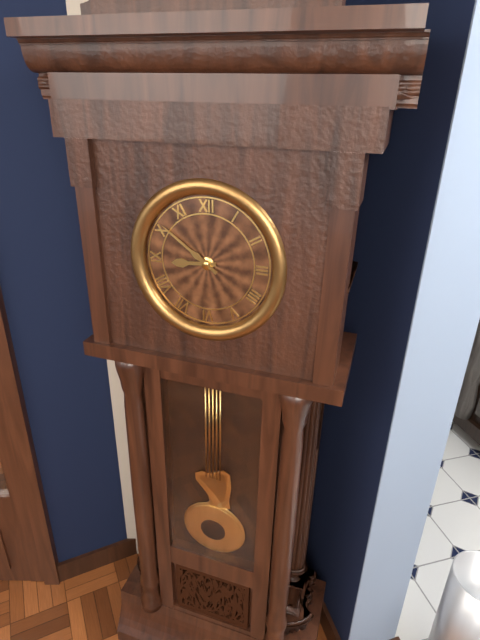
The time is h=8 m=51
